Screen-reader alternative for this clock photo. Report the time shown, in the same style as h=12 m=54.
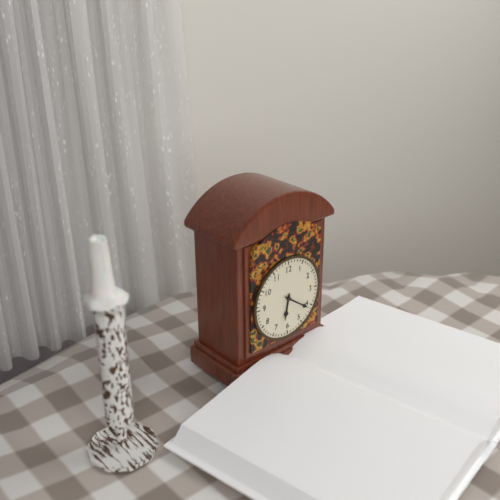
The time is h=6 m=21
